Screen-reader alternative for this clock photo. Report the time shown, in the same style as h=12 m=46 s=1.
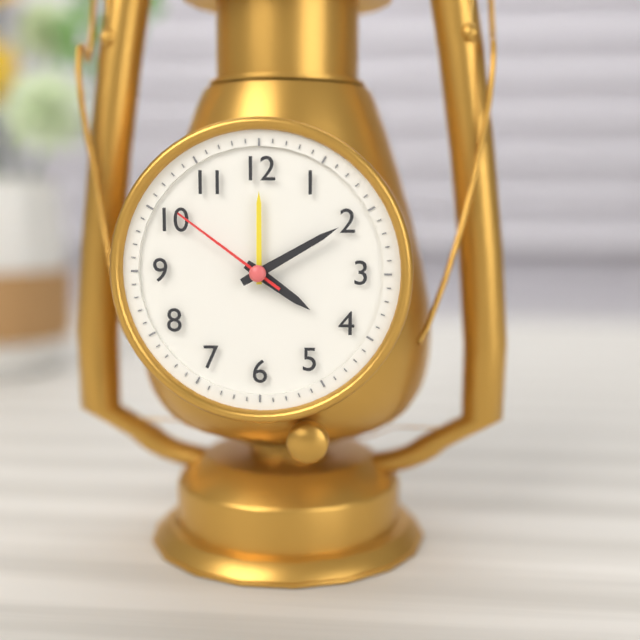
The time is h=4 m=10 s=51
